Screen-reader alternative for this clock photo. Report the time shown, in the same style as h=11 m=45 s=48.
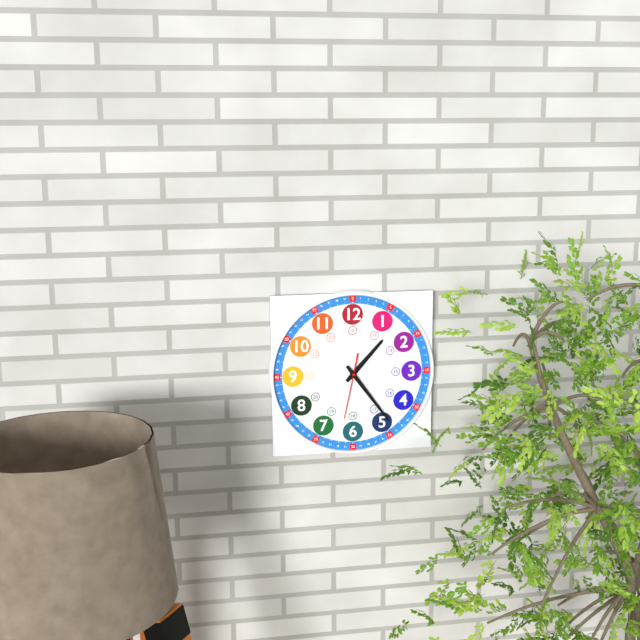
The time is h=1 m=24 s=32
